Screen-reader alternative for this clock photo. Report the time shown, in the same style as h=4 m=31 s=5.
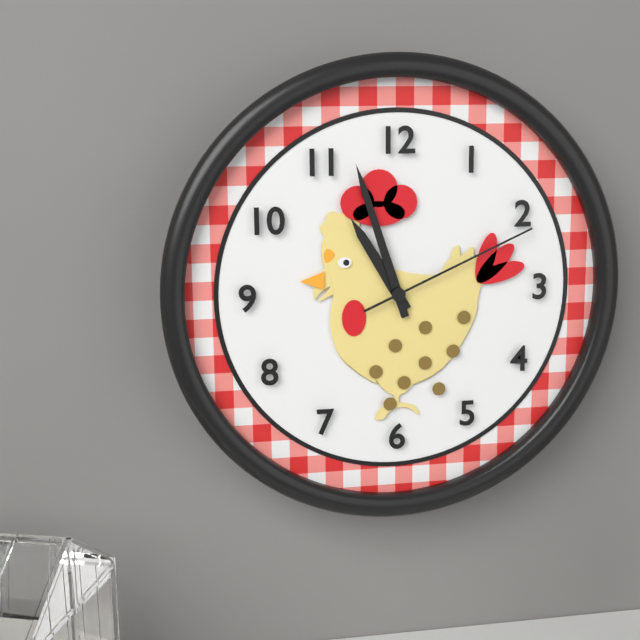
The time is h=10 m=57 s=11
